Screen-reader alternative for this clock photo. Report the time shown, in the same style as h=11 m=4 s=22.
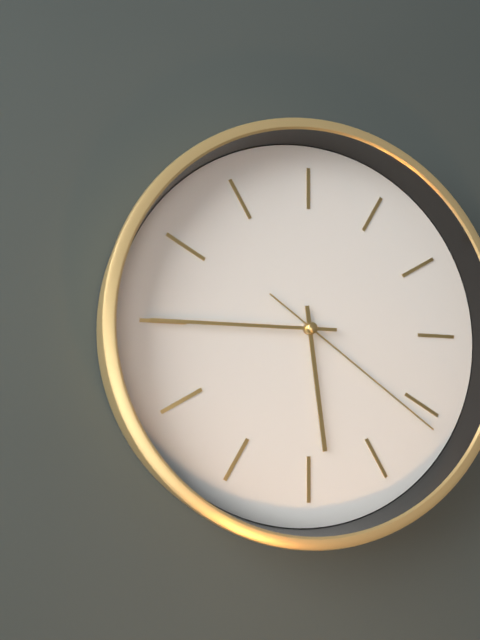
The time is h=5 m=45 s=21
